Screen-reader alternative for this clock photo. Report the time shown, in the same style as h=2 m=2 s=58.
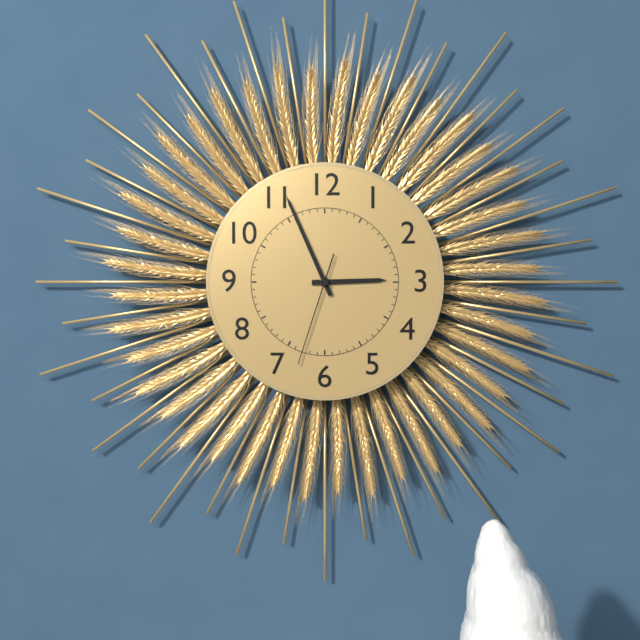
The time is h=2 m=56 s=33
